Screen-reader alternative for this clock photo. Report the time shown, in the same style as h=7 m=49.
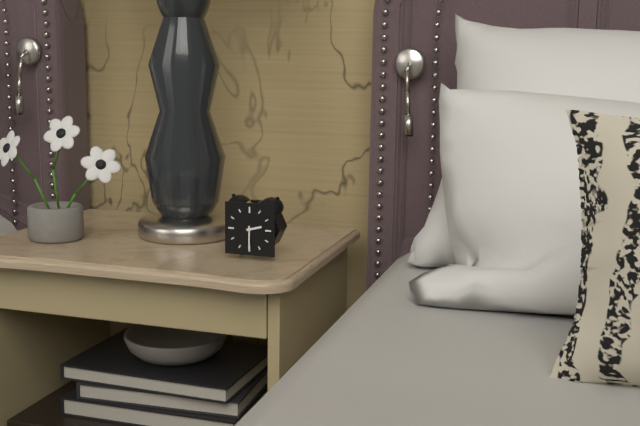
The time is h=2 m=30
